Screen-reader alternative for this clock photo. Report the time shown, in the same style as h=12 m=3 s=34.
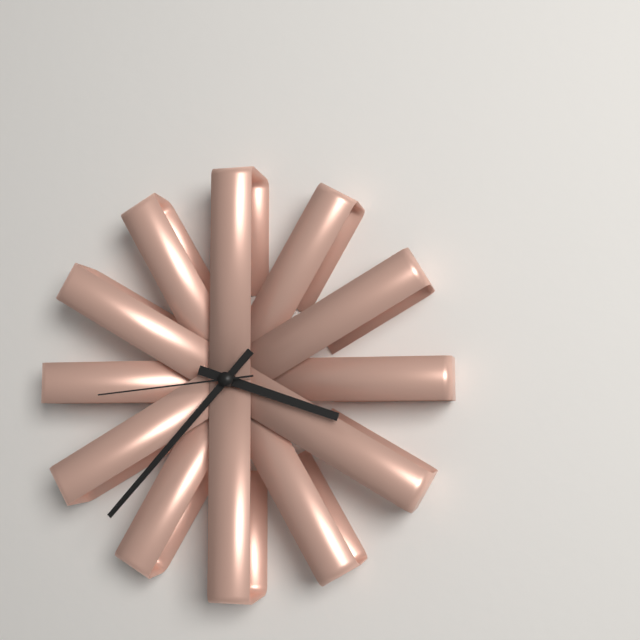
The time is h=3 m=37 s=44
